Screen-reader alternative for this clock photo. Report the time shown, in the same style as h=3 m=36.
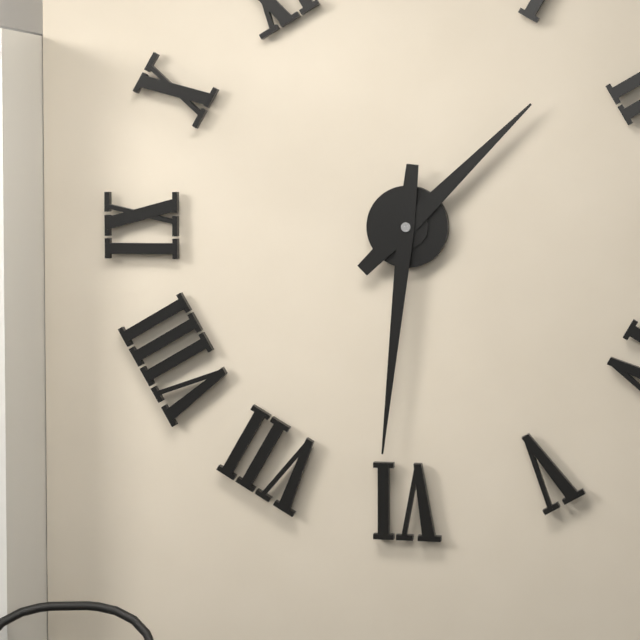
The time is h=1 m=31
